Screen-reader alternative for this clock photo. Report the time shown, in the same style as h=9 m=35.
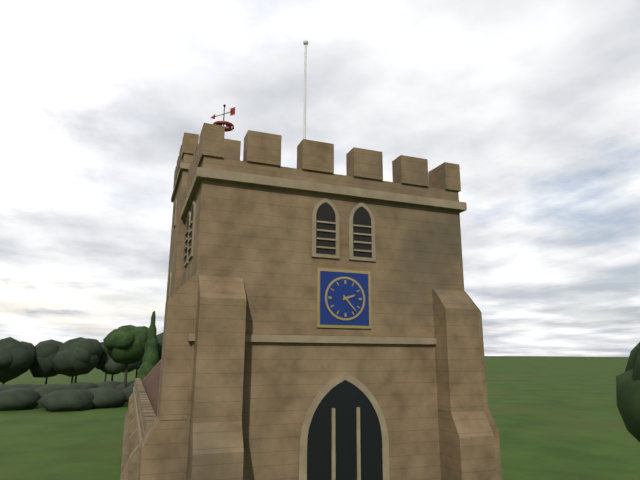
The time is h=2 m=23
